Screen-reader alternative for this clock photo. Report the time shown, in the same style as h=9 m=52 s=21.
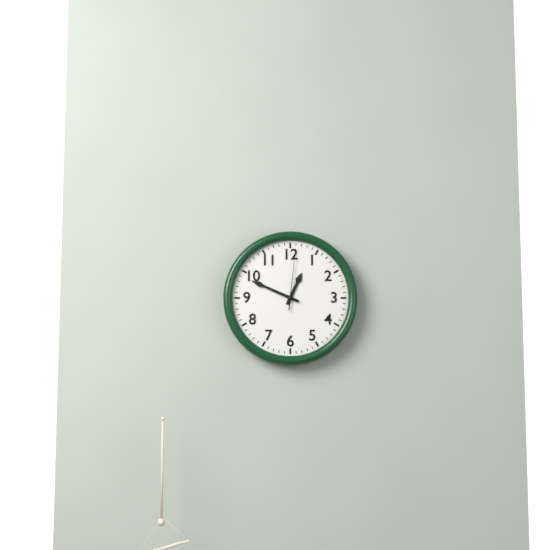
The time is h=12 m=49 s=1
